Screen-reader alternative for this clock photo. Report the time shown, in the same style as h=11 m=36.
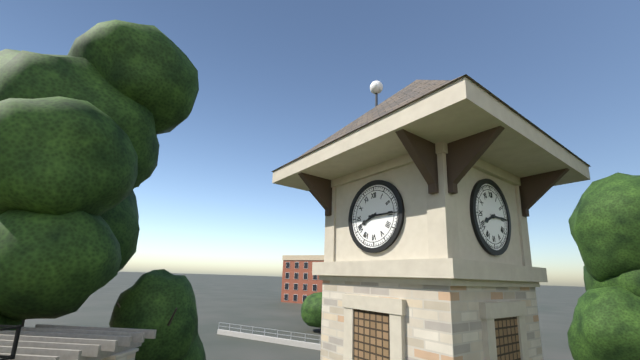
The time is h=8 m=15
